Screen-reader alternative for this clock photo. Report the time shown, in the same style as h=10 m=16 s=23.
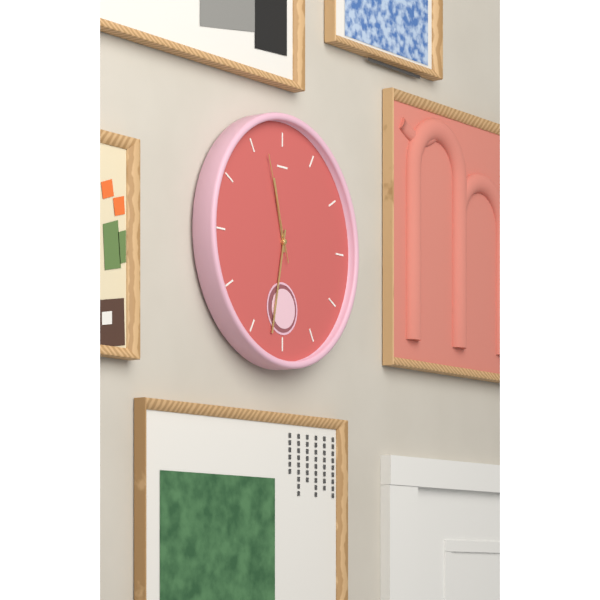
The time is h=11 m=32 s=57
